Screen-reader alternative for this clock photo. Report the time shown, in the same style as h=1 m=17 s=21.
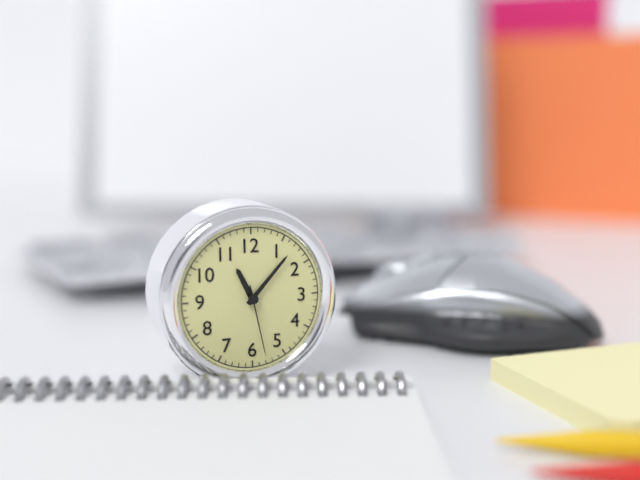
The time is h=11 m=7 s=28
